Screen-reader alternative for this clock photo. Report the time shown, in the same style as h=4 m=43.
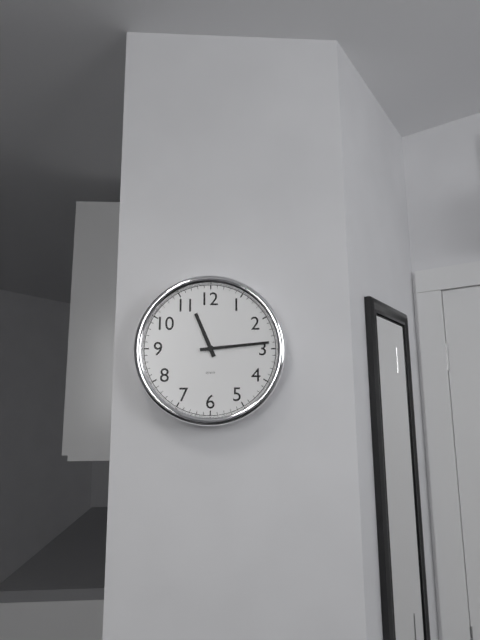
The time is h=11 m=14
